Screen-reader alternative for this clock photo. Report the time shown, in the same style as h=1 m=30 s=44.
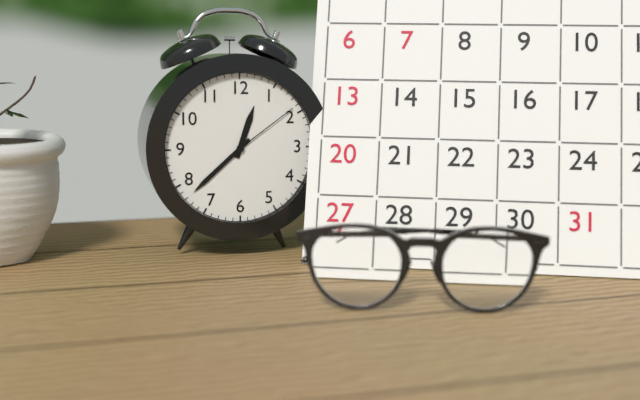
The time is h=12 m=38 s=9
